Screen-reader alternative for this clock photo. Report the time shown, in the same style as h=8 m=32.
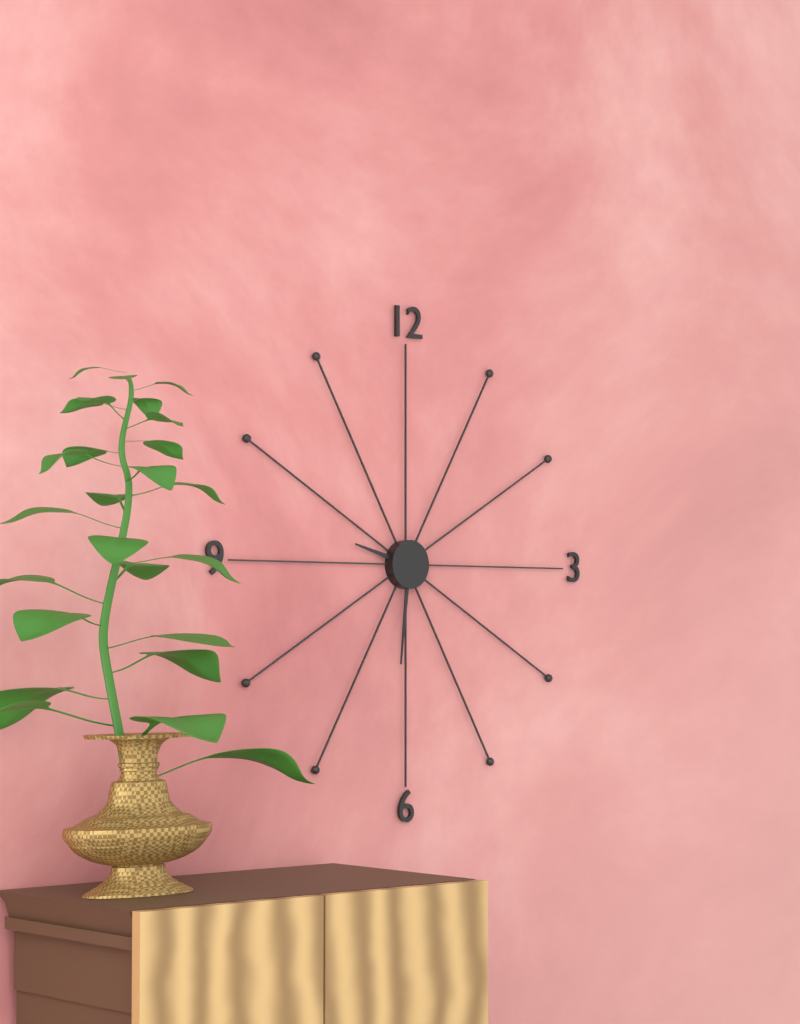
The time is h=9 m=31
